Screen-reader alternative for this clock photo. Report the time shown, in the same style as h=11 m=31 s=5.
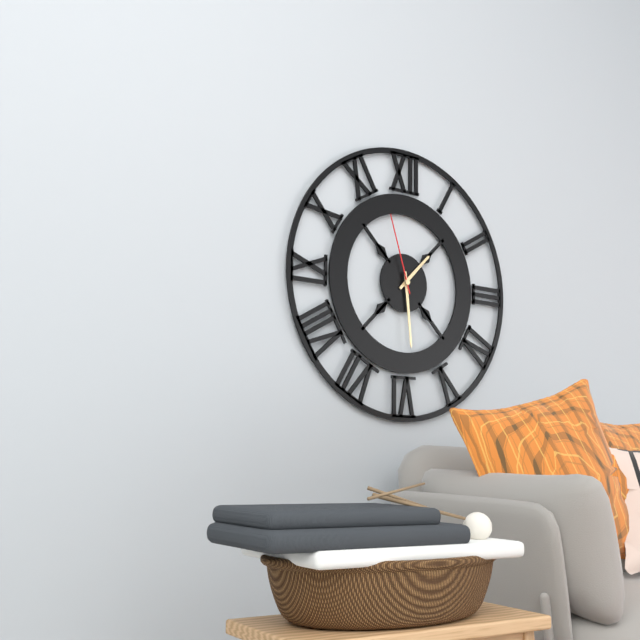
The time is h=1 m=29 s=57
